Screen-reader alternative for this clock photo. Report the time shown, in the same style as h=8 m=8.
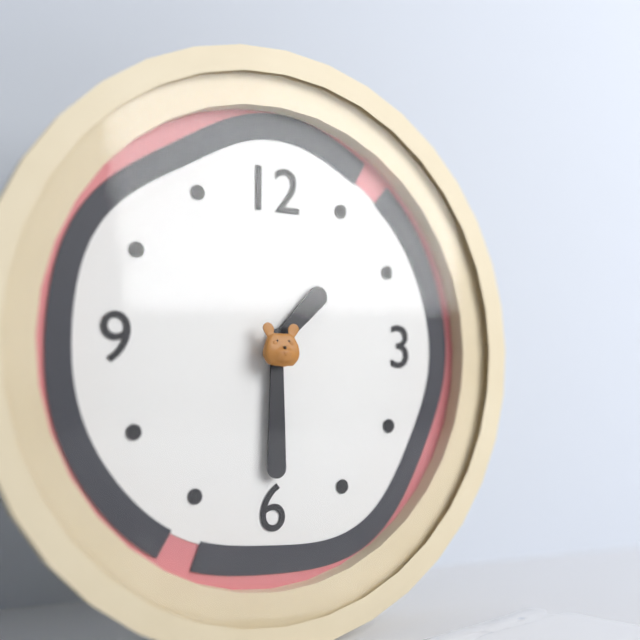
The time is h=1 m=30
